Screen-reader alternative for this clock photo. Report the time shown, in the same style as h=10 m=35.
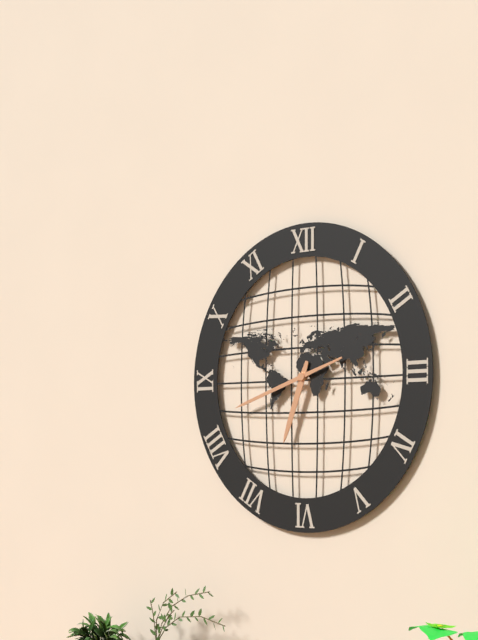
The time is h=6 m=42
